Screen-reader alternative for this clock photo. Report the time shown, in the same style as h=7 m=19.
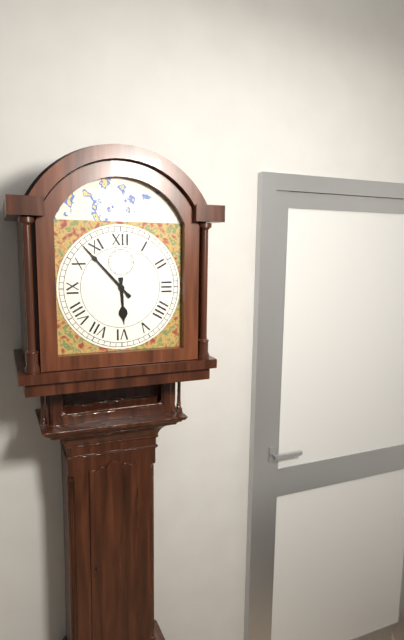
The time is h=5 m=53
